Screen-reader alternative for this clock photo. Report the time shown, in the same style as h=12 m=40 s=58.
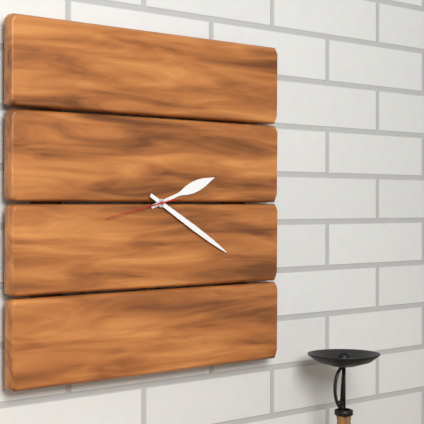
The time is h=2 m=20 s=43
